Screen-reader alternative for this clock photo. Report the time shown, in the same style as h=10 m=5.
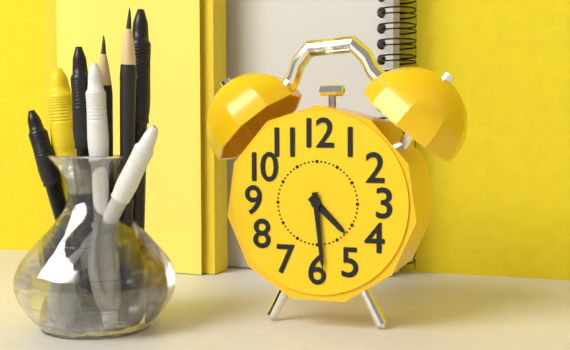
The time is h=4 m=29
